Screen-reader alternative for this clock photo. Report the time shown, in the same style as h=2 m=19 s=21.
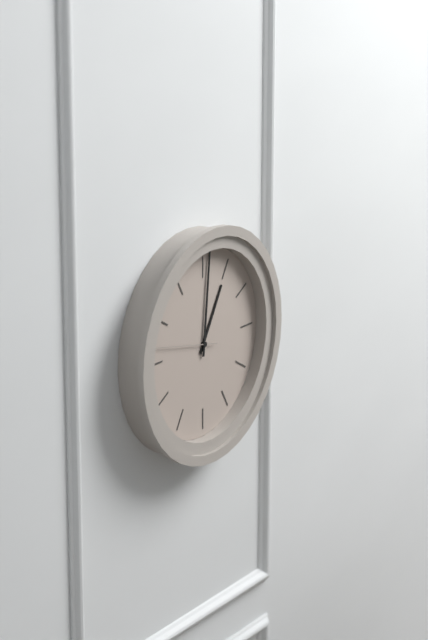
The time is h=1 m=1 s=47
